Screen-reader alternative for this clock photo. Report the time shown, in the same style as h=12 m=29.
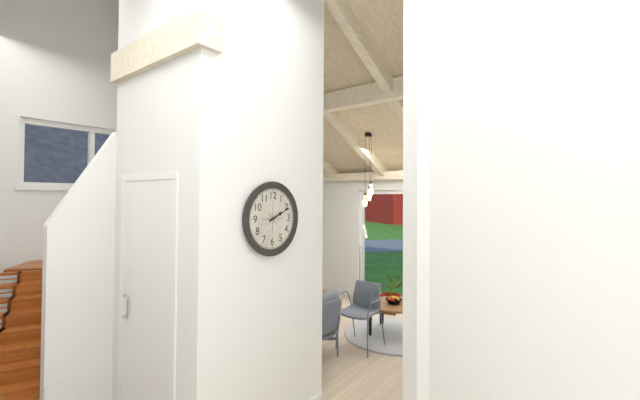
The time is h=2 m=11
